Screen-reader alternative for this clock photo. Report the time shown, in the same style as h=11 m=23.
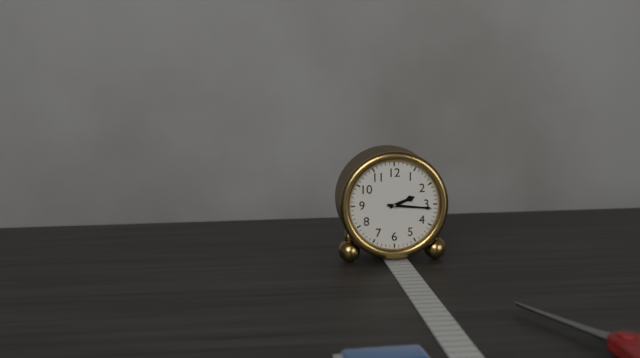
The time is h=2 m=16
